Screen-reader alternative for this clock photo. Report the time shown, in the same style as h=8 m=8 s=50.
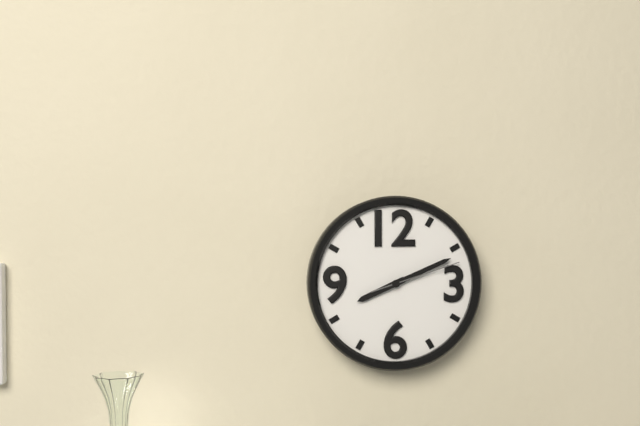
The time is h=8 m=11 s=12
